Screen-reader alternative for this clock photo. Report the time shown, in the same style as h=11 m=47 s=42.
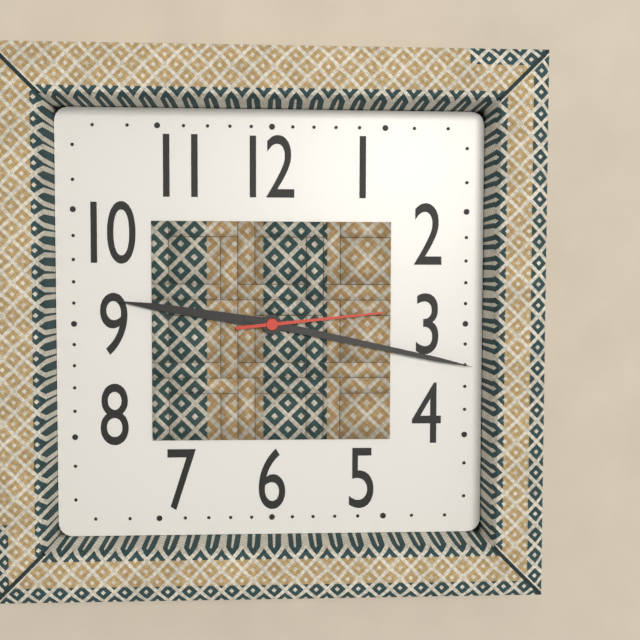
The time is h=9 m=17 s=14
